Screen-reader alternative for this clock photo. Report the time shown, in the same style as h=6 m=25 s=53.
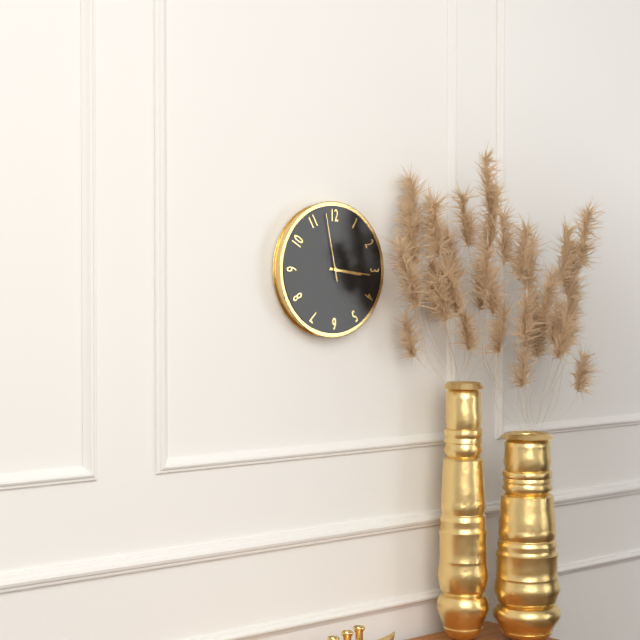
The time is h=3 m=16 s=58
